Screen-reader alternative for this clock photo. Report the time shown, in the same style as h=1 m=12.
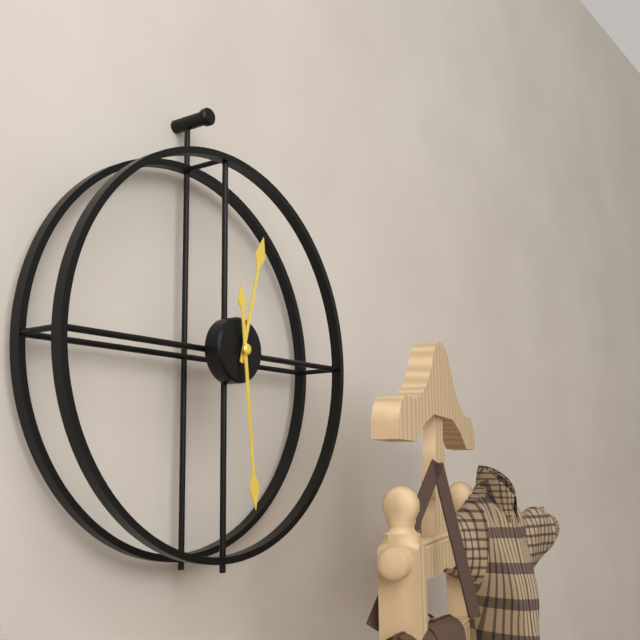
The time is h=12 m=29
